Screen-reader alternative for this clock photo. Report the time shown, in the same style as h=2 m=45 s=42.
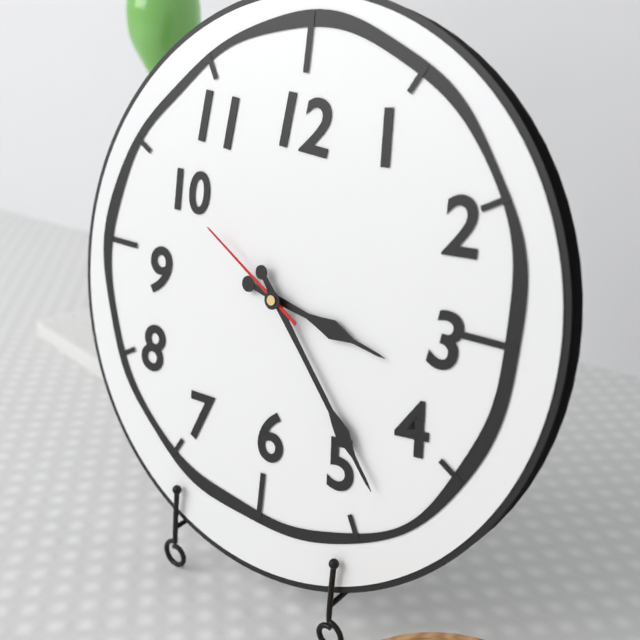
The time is h=3 m=23 s=50
